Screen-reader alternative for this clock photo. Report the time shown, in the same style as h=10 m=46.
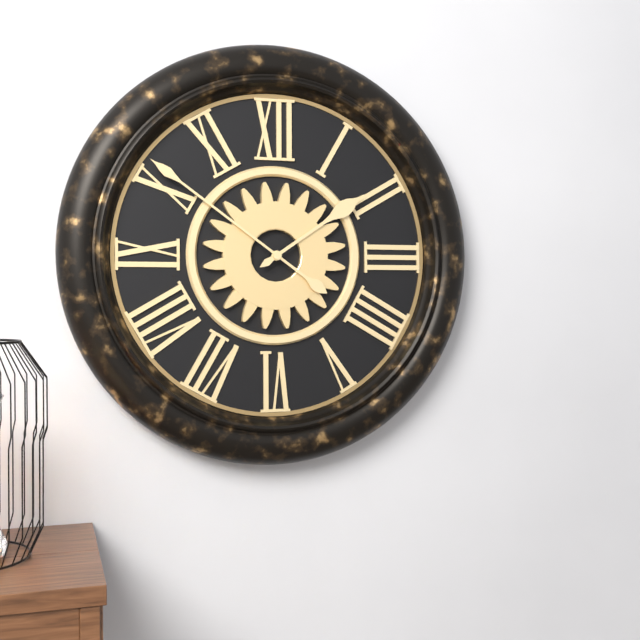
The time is h=1 m=51
